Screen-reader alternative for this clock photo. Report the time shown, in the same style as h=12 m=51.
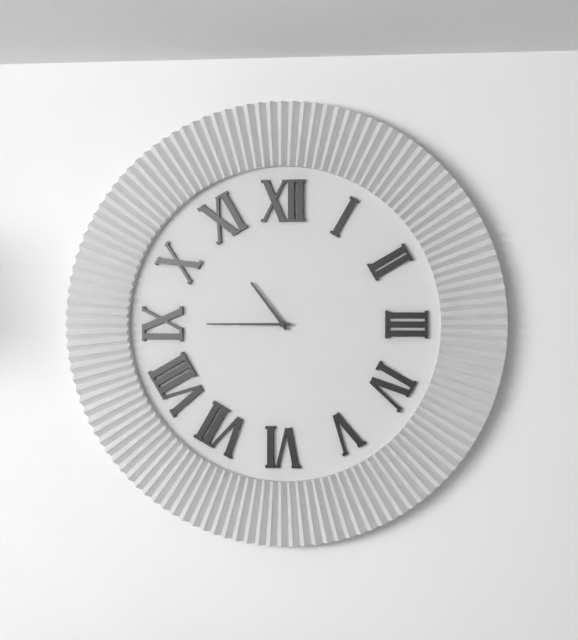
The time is h=10 m=45
